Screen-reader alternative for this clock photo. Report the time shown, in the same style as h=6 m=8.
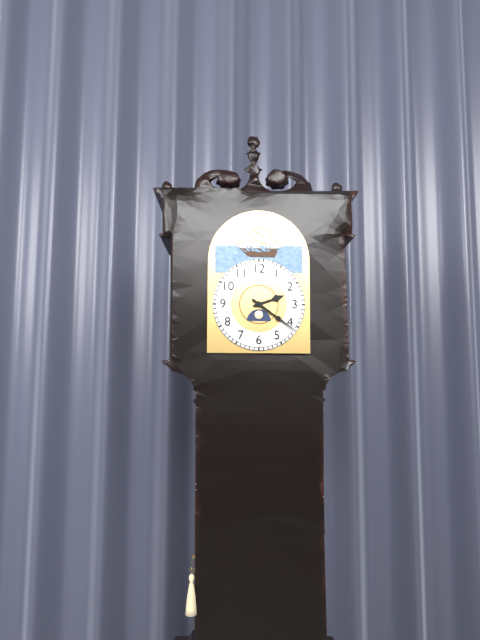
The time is h=2 m=21
